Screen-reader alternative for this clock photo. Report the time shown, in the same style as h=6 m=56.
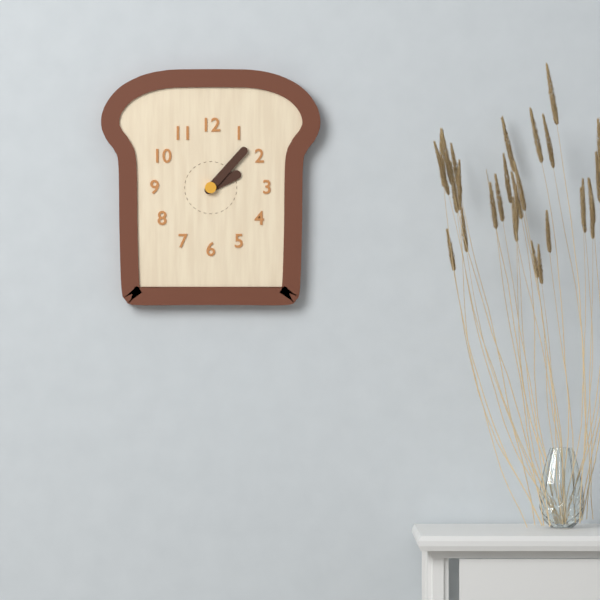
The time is h=2 m=7
